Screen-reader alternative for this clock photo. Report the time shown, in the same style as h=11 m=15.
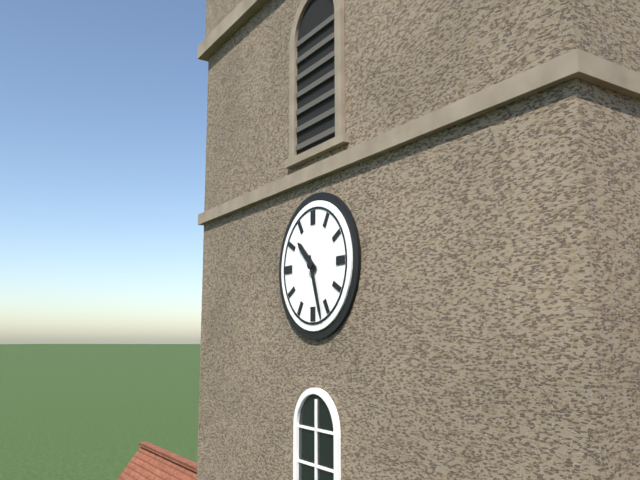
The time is h=10 m=27
